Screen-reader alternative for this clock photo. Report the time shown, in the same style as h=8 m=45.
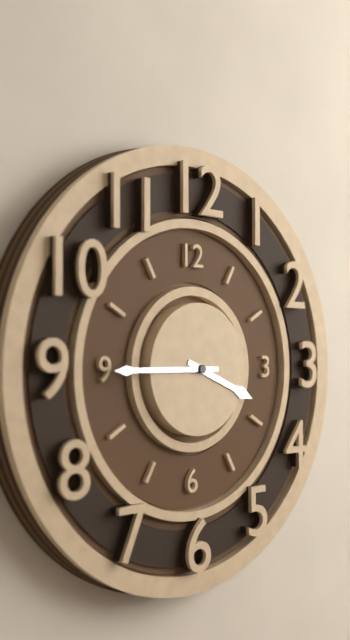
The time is h=3 m=45
